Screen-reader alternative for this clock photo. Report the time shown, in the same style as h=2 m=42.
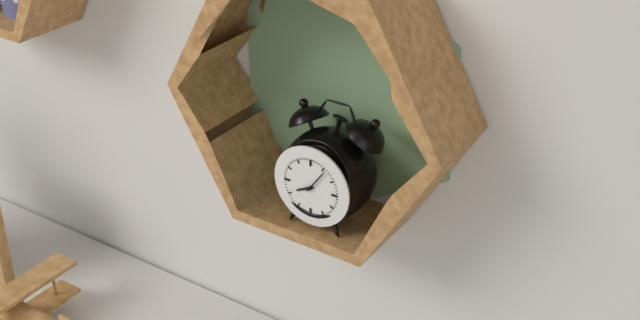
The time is h=8 m=6
